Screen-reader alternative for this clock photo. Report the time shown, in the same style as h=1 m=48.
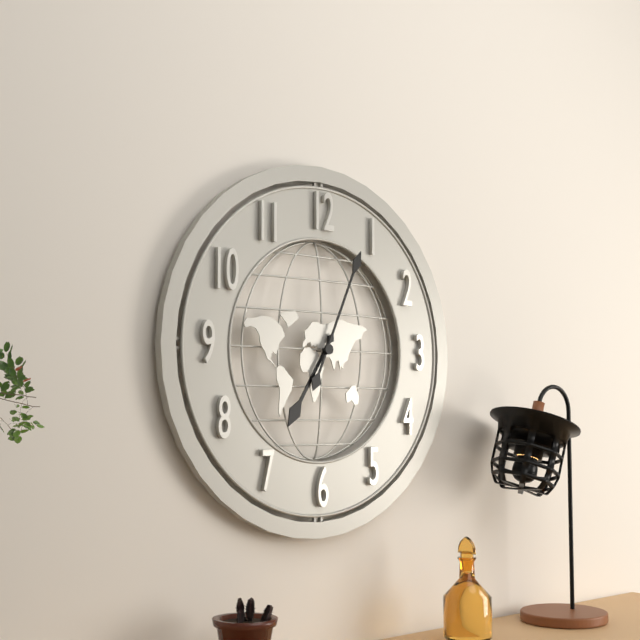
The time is h=7 m=4
